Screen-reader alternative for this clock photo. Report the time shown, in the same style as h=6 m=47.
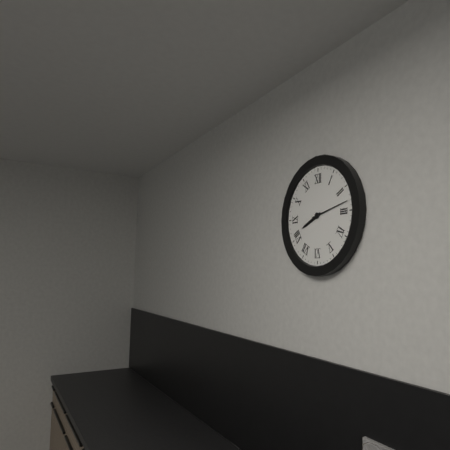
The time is h=8 m=13
